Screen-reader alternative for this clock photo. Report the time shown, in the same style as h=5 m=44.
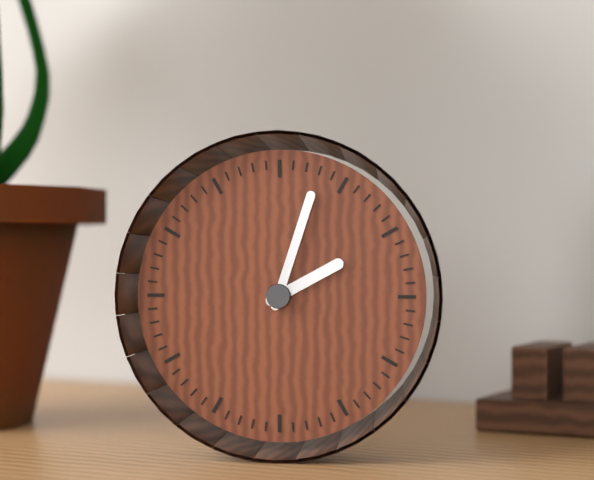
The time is h=2 m=3
